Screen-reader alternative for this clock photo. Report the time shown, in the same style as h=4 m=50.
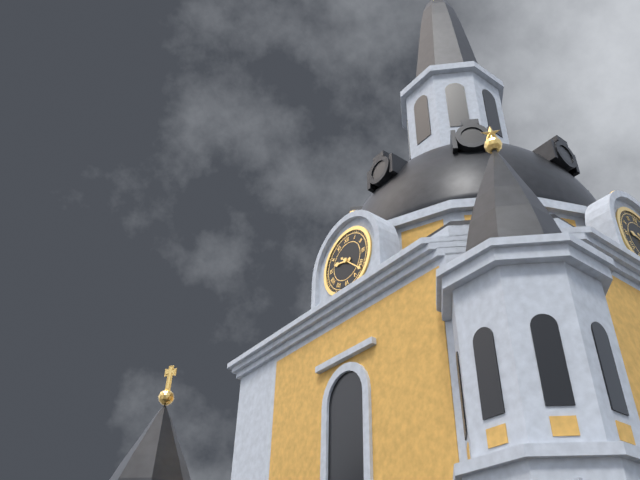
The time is h=9 m=22
